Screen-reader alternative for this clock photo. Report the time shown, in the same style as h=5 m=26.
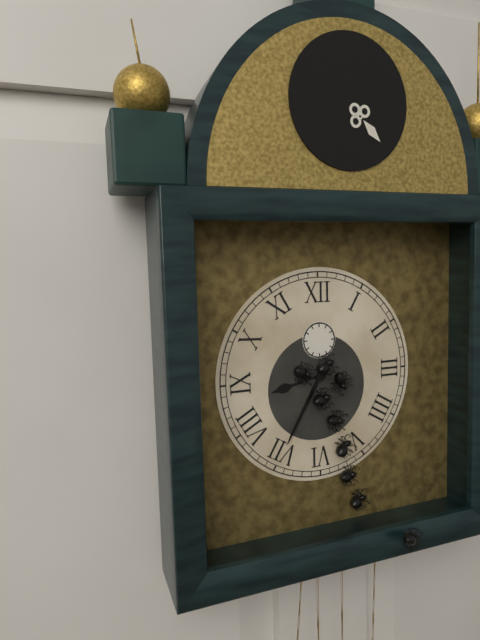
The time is h=8 m=35
